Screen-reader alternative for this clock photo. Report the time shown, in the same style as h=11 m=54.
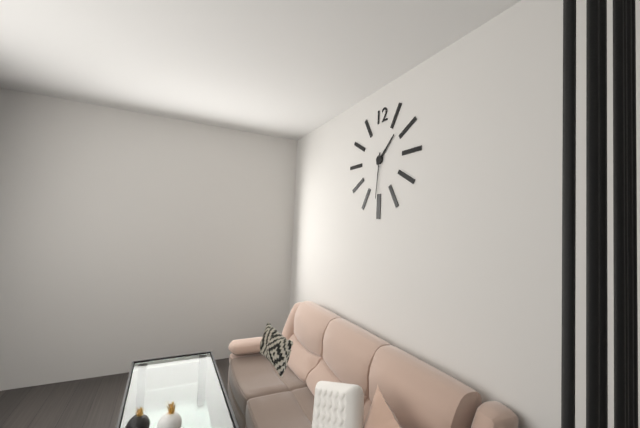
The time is h=1 m=31
